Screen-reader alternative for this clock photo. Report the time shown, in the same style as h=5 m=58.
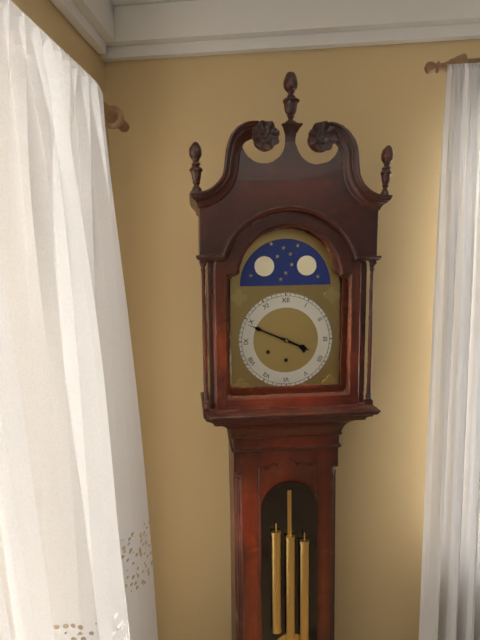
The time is h=3 m=49
